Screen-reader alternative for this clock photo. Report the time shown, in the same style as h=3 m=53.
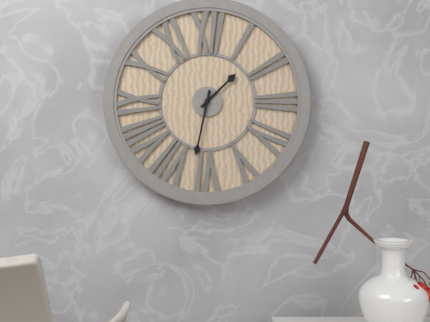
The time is h=1 m=32
